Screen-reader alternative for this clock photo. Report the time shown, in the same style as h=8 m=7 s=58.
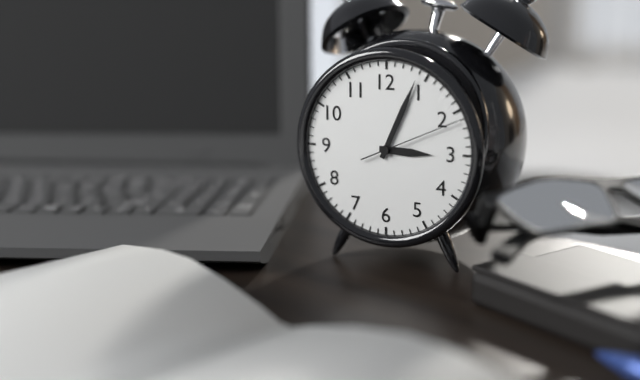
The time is h=3 m=4 s=11
